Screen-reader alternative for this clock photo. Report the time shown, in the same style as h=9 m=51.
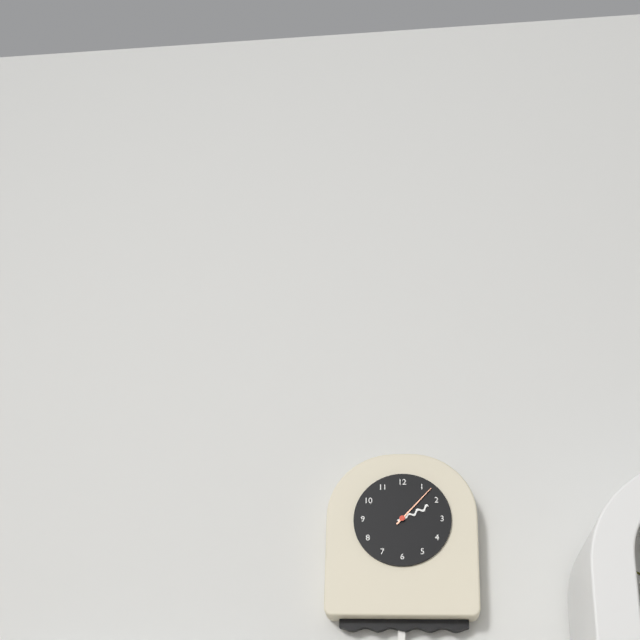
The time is h=2 m=7
